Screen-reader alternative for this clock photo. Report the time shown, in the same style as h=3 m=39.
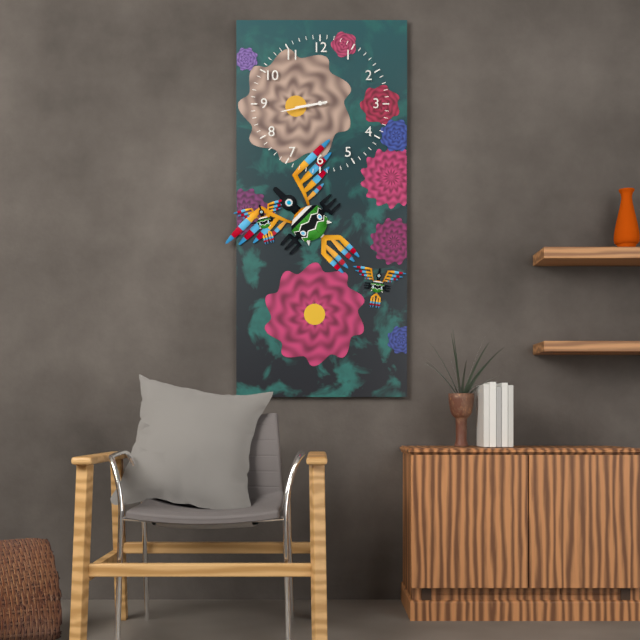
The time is h=8 m=43
